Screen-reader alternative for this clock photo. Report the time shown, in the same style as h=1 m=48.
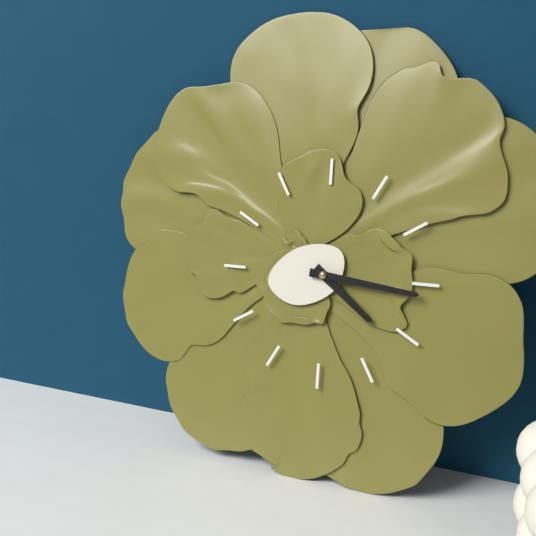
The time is h=4 m=16
